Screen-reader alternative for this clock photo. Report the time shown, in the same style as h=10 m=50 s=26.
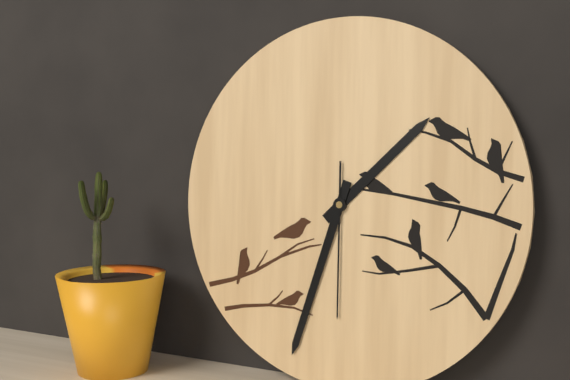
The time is h=1 m=33 s=30
